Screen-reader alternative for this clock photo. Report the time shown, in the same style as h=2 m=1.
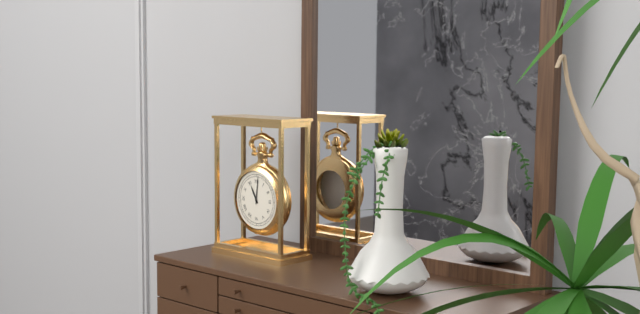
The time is h=11 m=1
